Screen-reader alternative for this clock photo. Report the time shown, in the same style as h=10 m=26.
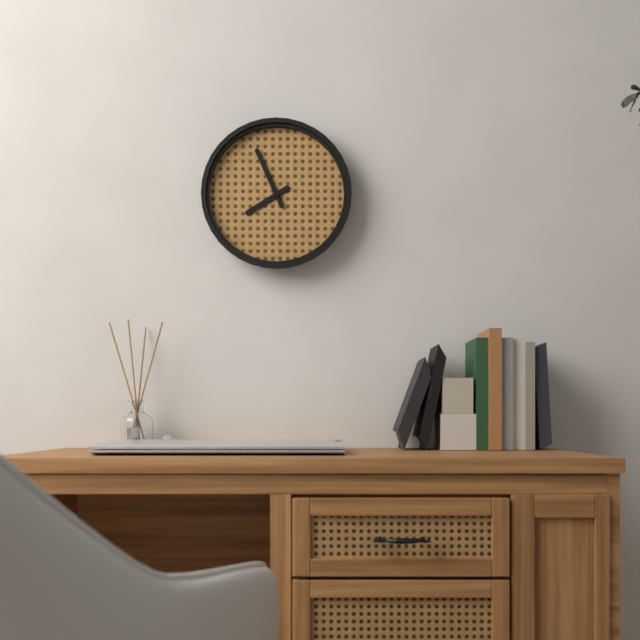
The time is h=7 m=56
